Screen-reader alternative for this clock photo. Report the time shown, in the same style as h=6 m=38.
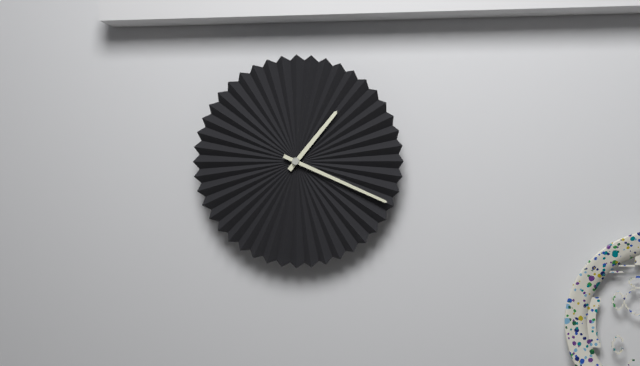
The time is h=1 m=19
